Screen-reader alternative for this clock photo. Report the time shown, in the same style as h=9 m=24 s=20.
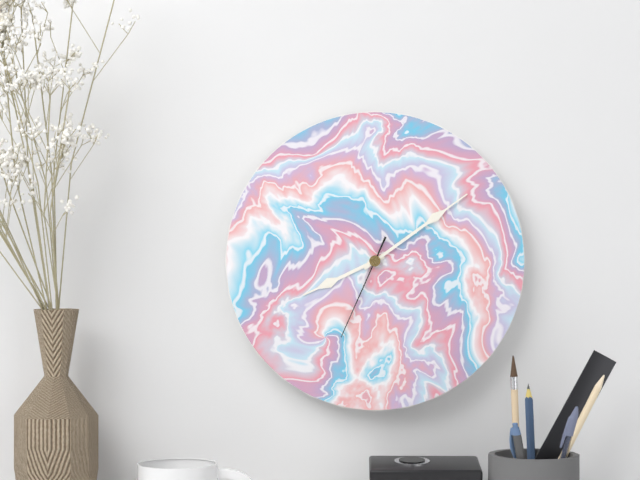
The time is h=8 m=9 s=34
